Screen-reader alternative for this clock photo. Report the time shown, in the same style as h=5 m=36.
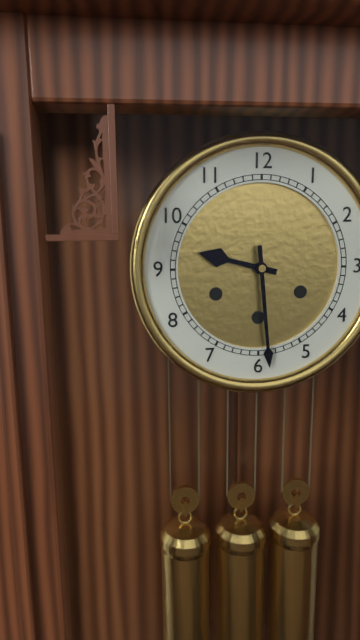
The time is h=9 m=29
